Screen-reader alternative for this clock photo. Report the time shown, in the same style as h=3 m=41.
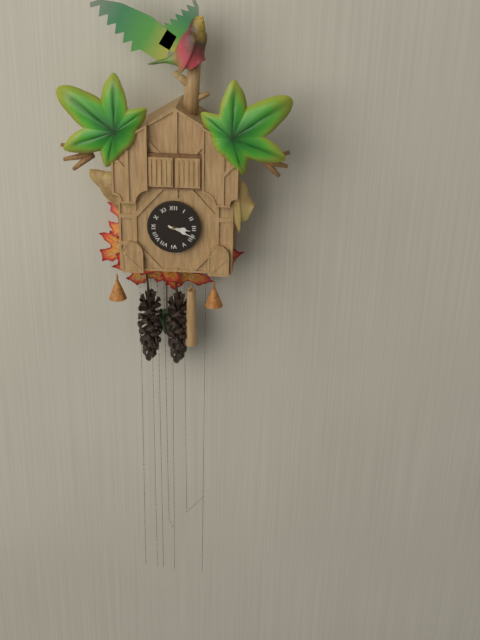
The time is h=3 m=19
